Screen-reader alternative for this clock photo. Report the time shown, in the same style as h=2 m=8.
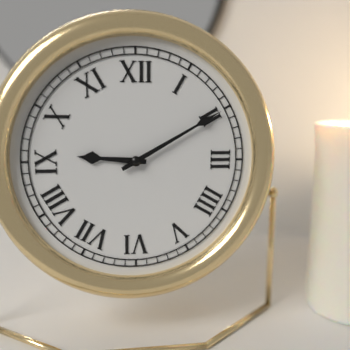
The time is h=9 m=10
